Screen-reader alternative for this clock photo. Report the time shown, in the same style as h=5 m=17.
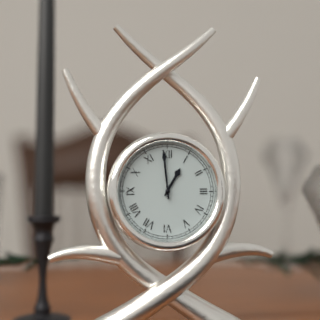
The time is h=12 m=59
